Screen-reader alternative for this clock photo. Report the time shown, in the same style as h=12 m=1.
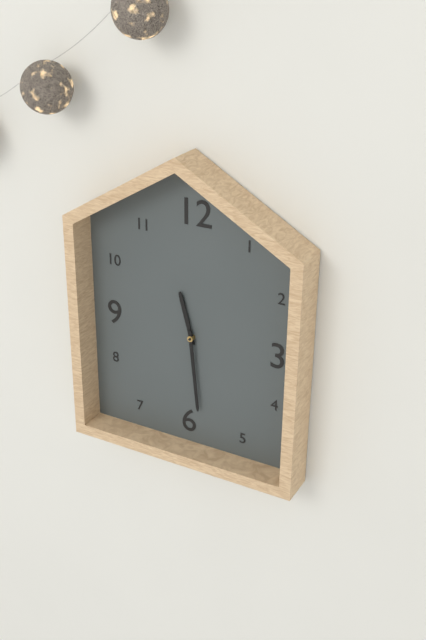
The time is h=11 m=29
